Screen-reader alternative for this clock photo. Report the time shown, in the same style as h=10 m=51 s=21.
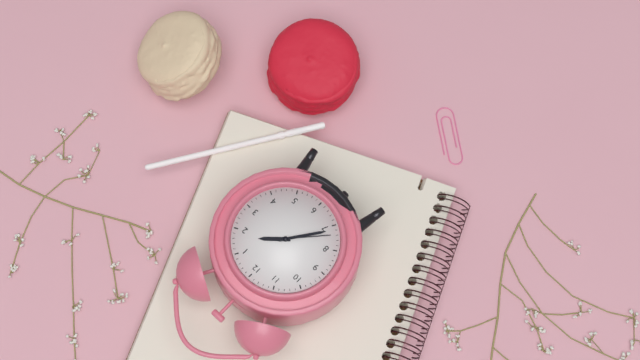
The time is h=1 m=36 s=37
